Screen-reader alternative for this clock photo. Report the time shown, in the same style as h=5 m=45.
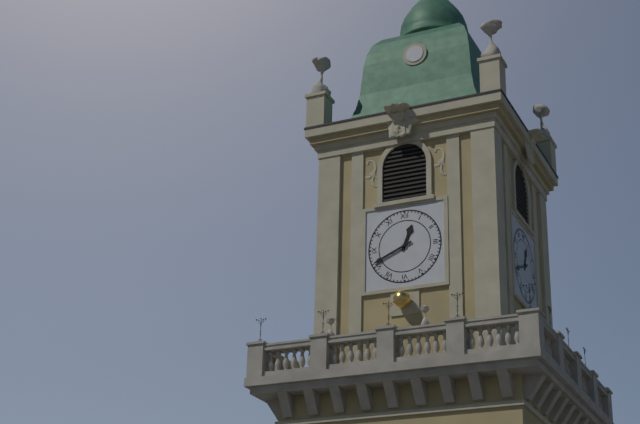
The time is h=12 m=41
